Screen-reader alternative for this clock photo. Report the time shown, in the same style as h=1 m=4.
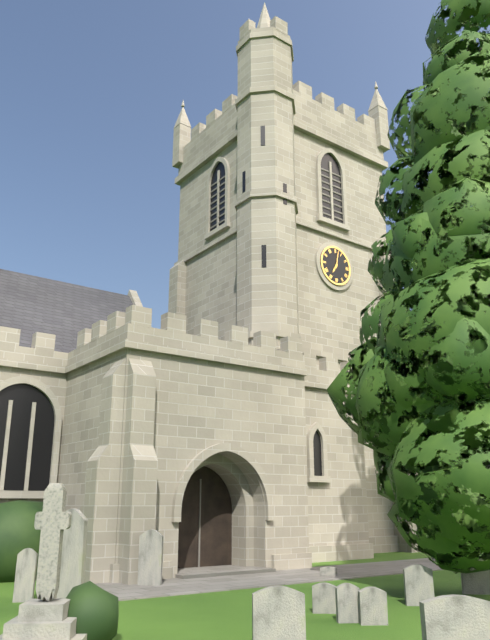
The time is h=7 m=2
